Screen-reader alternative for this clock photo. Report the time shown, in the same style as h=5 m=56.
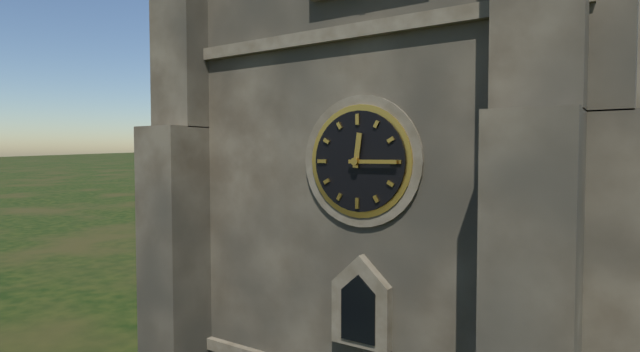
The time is h=12 m=15
